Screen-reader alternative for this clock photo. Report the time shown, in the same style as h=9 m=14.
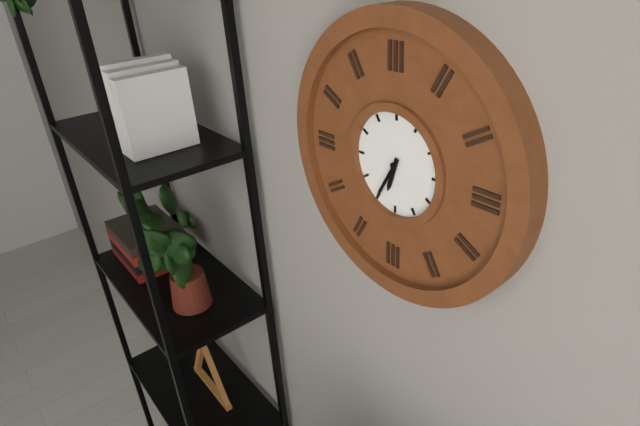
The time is h=6 m=35
